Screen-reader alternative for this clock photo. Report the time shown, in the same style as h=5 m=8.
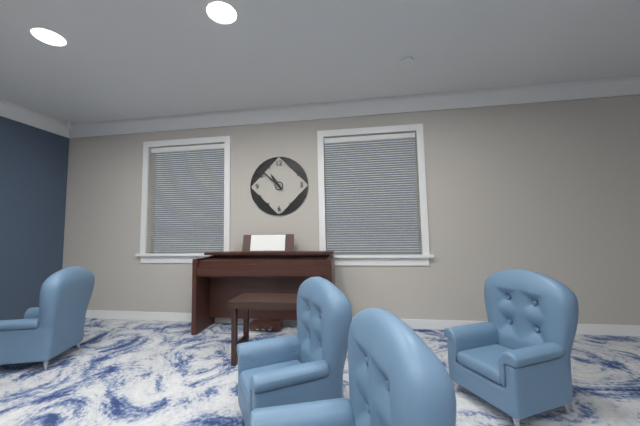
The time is h=10 m=52
